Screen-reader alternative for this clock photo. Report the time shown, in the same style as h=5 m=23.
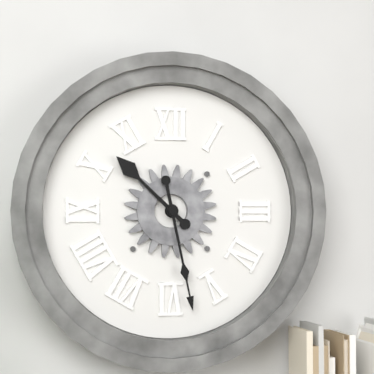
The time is h=10 m=28
